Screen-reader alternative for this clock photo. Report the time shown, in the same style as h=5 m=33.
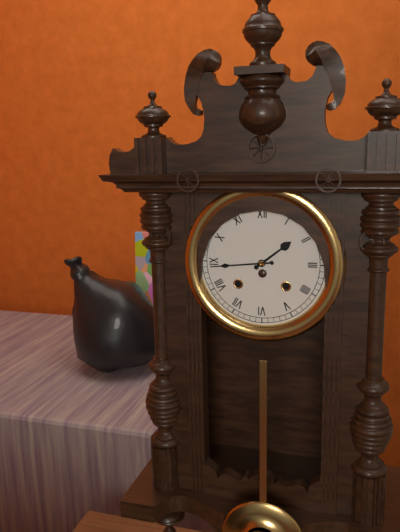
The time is h=1 m=44
